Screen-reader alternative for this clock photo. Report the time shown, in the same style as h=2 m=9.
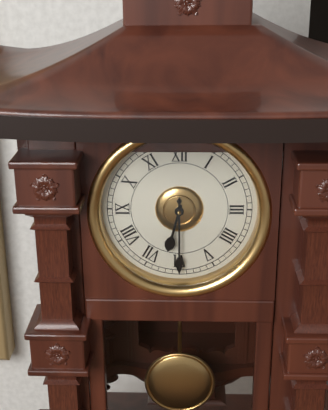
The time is h=6 m=30
